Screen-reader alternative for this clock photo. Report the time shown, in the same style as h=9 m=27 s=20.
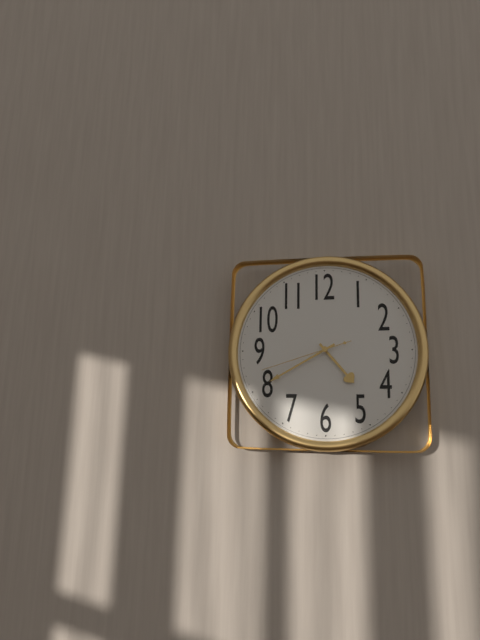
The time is h=4 m=40 s=42
